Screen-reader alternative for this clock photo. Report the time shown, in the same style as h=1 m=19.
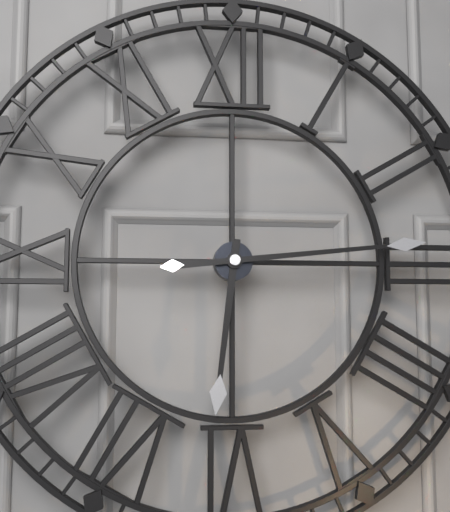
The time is h=6 m=14
